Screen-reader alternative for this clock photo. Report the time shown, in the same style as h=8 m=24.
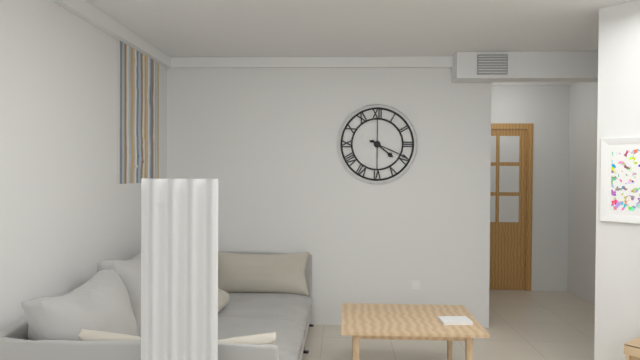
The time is h=4 m=19
